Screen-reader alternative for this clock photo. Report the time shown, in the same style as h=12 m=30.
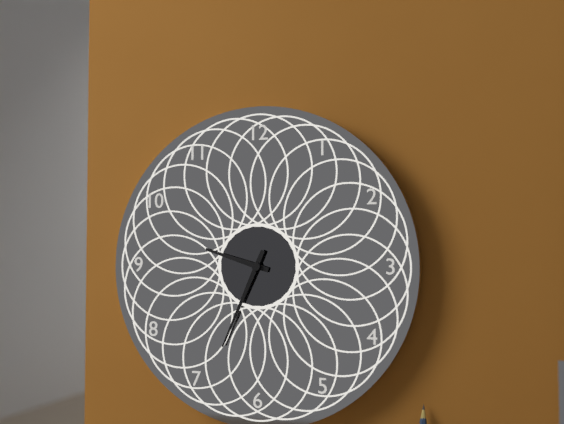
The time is h=9 m=34
